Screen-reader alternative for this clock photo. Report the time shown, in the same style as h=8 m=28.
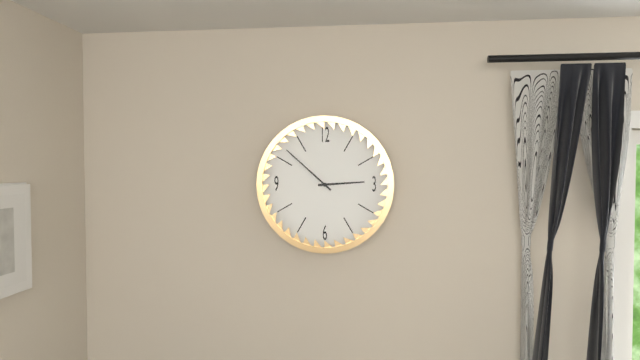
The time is h=2 m=52
